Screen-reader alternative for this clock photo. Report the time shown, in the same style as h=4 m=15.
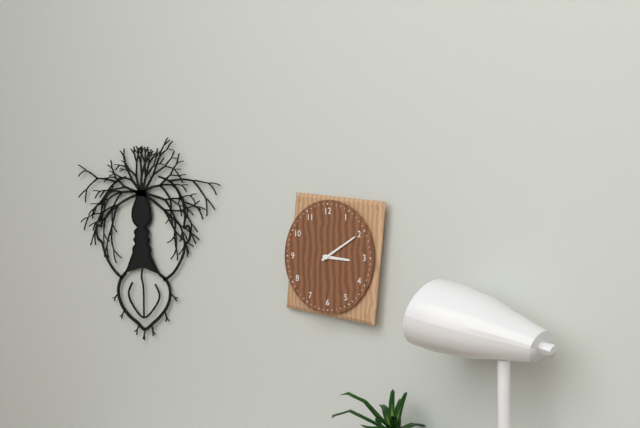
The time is h=3 m=10
